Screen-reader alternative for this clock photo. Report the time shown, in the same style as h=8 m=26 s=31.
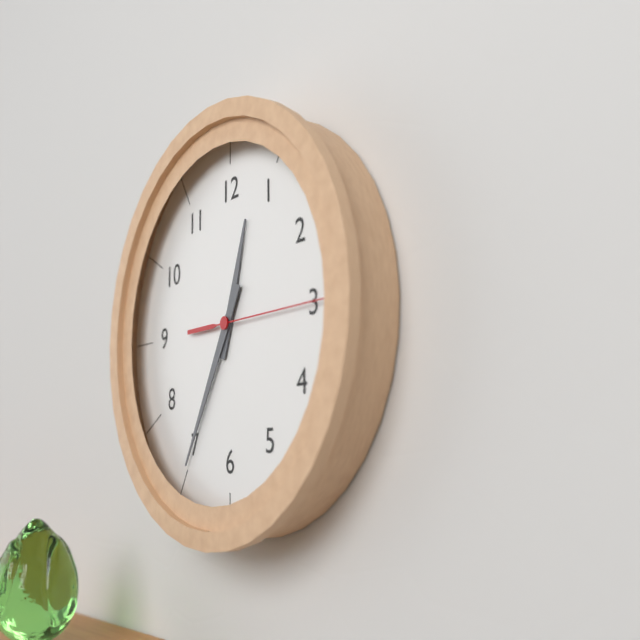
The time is h=12 m=35 s=15
